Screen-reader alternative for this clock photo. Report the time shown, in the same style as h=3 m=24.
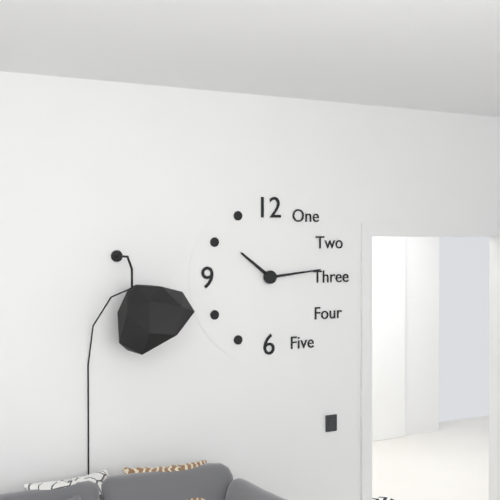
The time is h=10 m=14
